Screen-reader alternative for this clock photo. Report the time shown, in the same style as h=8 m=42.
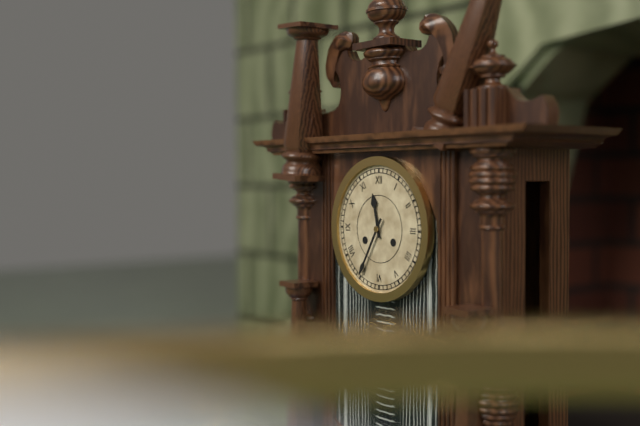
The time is h=11 m=35
